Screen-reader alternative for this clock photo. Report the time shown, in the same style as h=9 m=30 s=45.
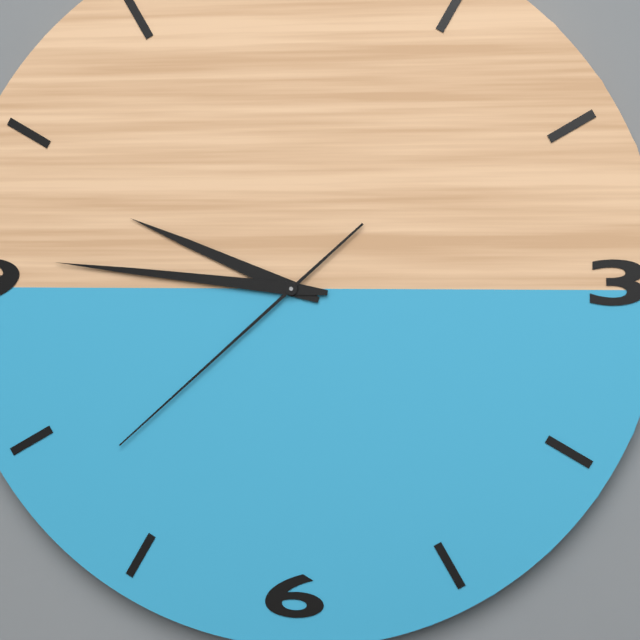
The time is h=9 m=46 s=38
